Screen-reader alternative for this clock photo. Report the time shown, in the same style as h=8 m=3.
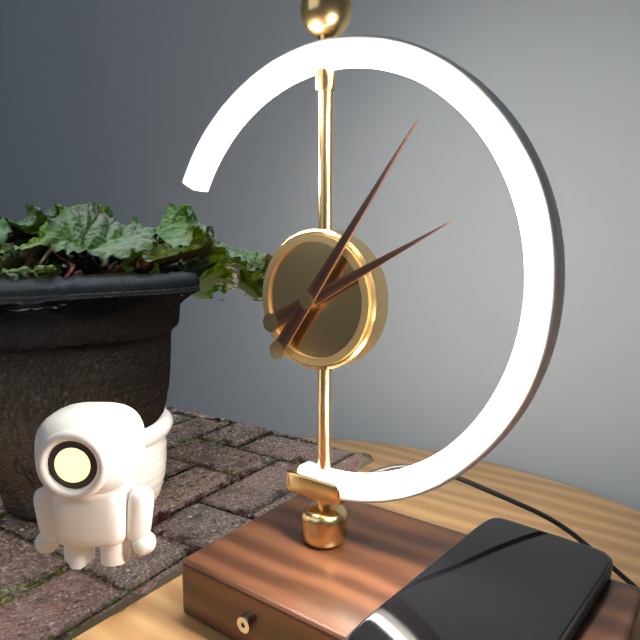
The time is h=2 m=6
